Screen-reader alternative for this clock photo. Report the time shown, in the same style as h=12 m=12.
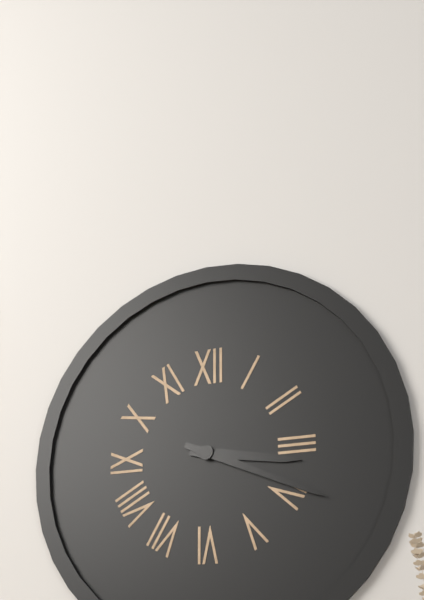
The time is h=3 m=19
